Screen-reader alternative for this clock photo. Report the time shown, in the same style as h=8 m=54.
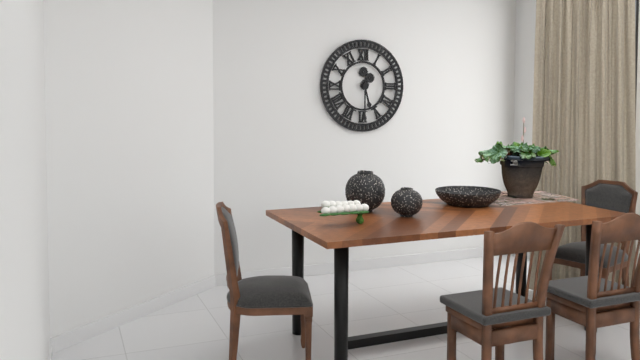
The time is h=5 m=30
